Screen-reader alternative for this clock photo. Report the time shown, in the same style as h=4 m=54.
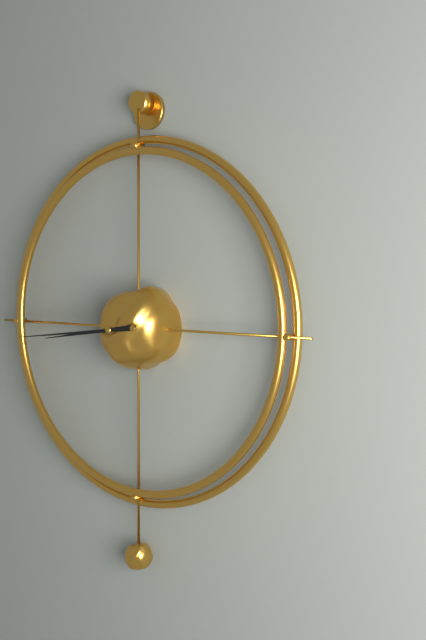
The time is h=8 m=44
